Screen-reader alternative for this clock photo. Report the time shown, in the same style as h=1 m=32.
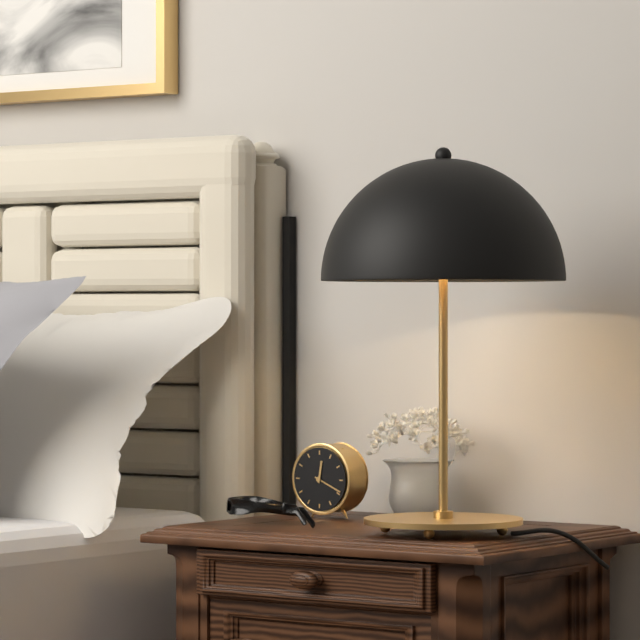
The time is h=12 m=19
